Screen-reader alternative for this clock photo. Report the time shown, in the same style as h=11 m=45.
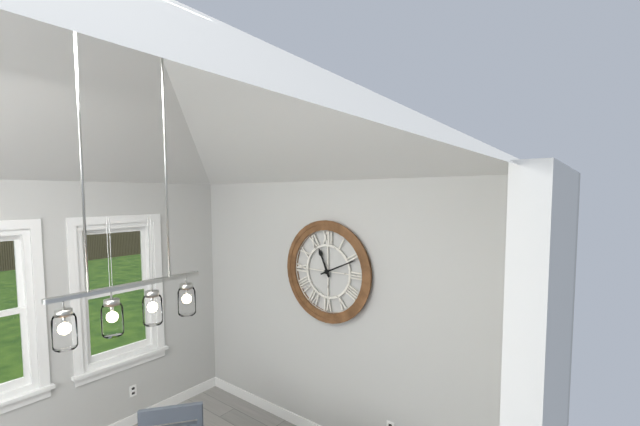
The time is h=11 m=11
